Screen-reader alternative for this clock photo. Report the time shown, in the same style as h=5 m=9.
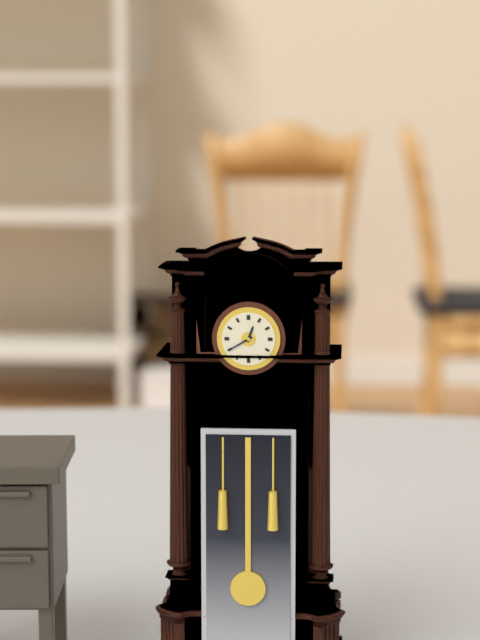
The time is h=12 m=40
